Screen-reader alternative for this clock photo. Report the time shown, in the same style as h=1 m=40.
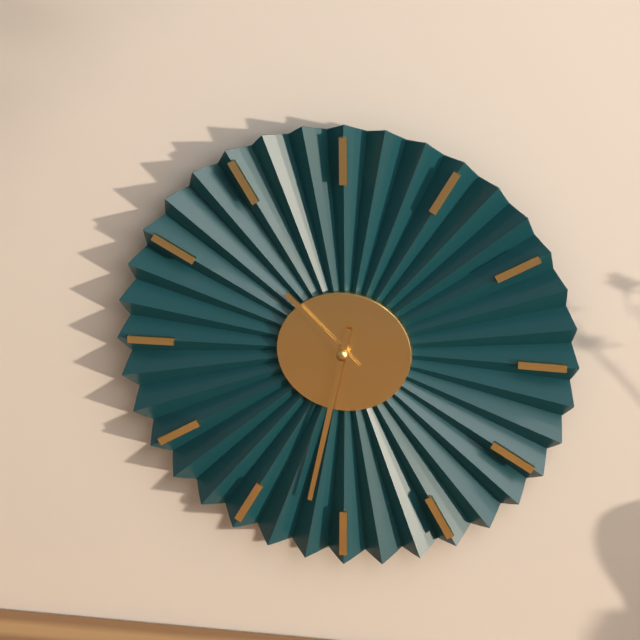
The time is h=10 m=32
